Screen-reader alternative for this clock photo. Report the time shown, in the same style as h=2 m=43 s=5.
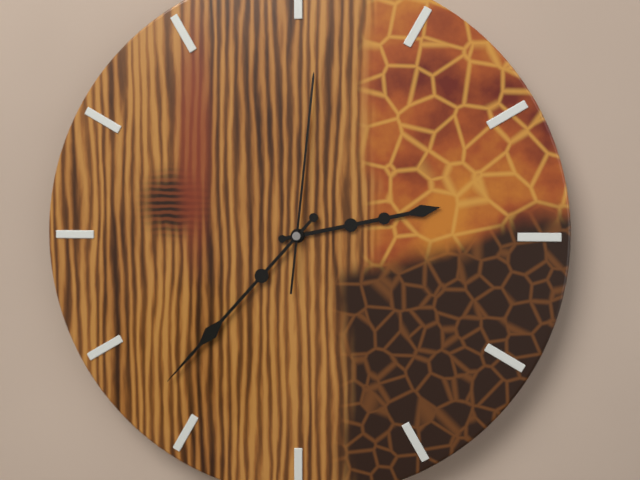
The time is h=2 m=37 s=1
